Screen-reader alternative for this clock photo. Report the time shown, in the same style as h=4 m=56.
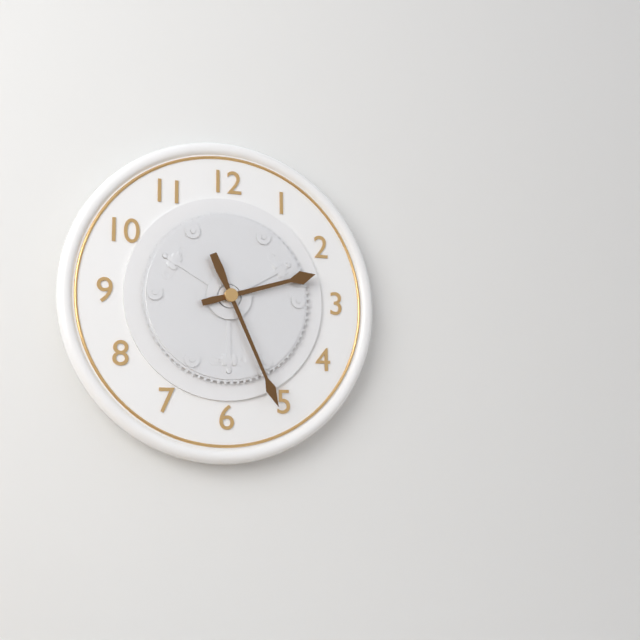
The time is h=2 m=26
